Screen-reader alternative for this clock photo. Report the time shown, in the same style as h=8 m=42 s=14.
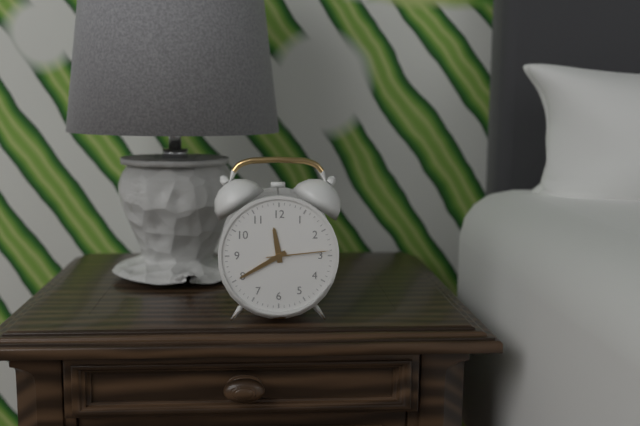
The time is h=11 m=40 s=14
